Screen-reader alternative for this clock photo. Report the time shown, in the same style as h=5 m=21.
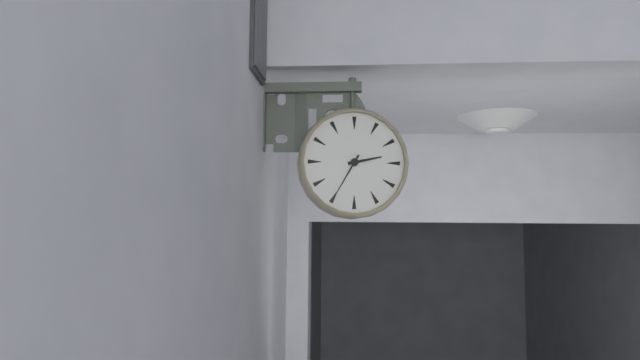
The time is h=2 m=35
